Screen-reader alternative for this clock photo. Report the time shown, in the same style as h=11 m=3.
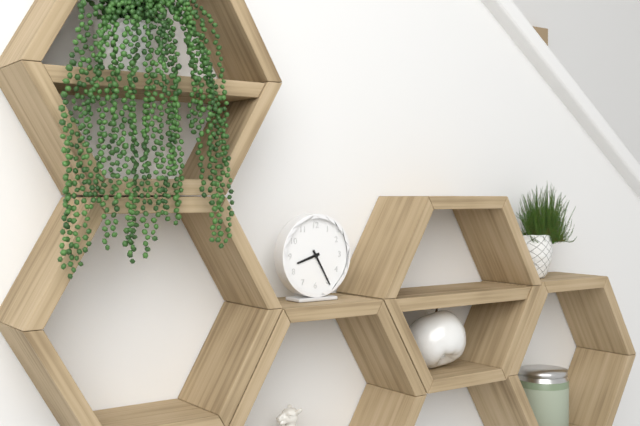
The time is h=8 m=25
